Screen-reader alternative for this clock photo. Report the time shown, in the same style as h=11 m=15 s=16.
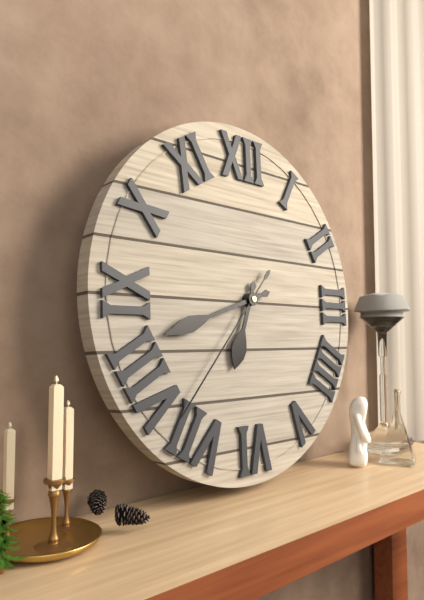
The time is h=6 m=42 s=37
